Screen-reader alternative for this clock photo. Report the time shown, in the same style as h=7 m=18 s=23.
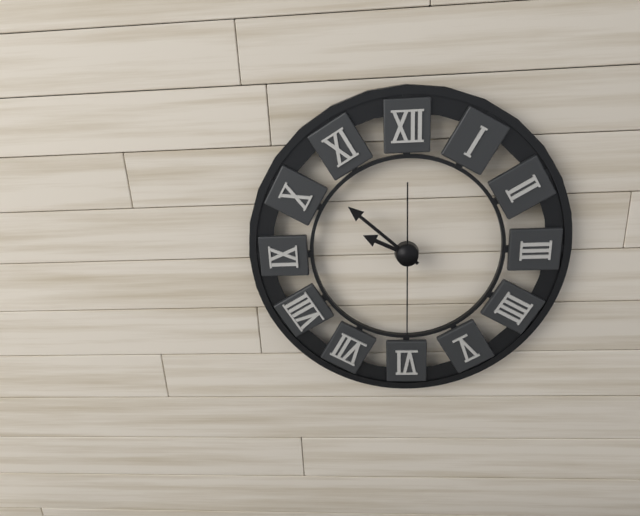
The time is h=9 m=52 s=30
